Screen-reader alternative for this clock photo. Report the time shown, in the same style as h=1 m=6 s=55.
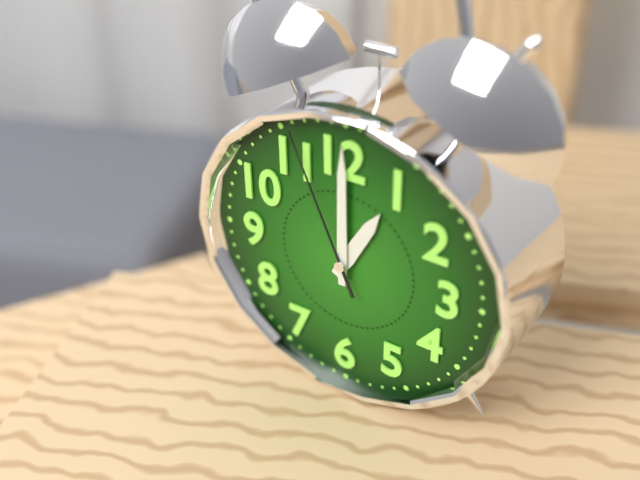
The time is h=1 m=0 s=56
